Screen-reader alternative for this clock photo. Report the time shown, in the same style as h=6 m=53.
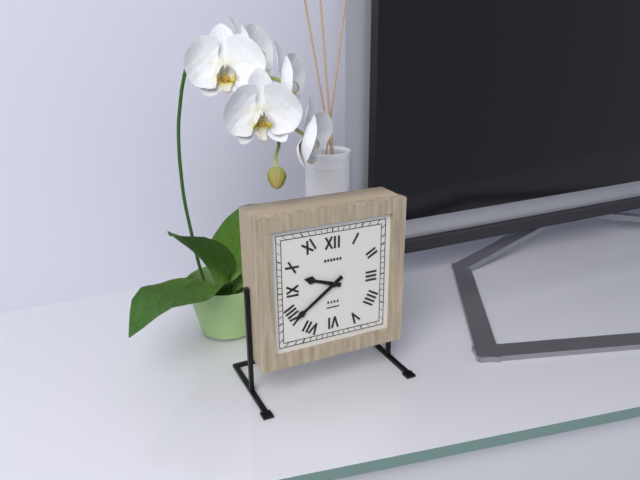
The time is h=9 m=39
